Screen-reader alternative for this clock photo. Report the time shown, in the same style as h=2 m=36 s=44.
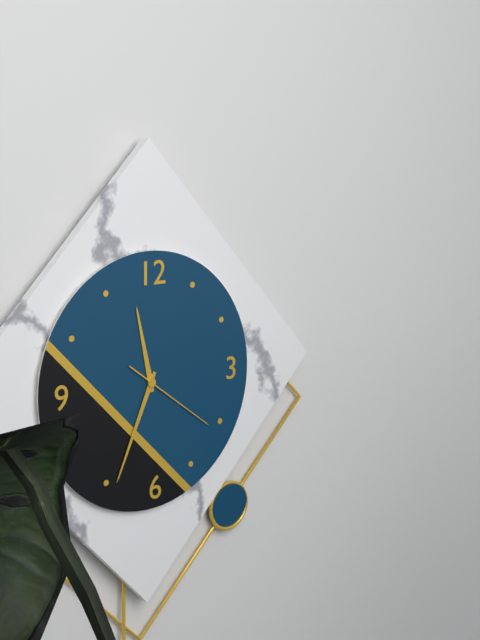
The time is h=11 m=34 s=21
